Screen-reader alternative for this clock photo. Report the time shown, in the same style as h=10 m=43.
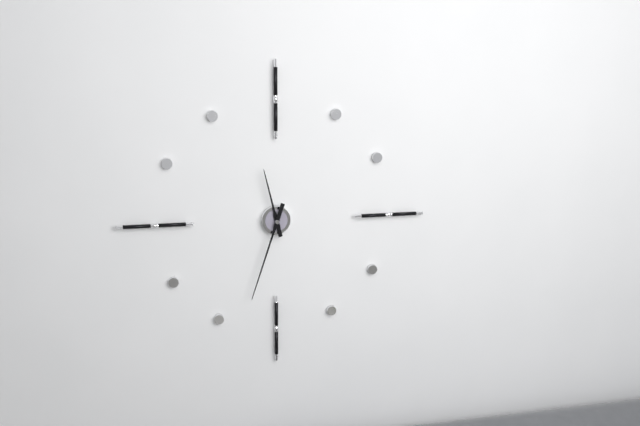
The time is h=11 m=33
